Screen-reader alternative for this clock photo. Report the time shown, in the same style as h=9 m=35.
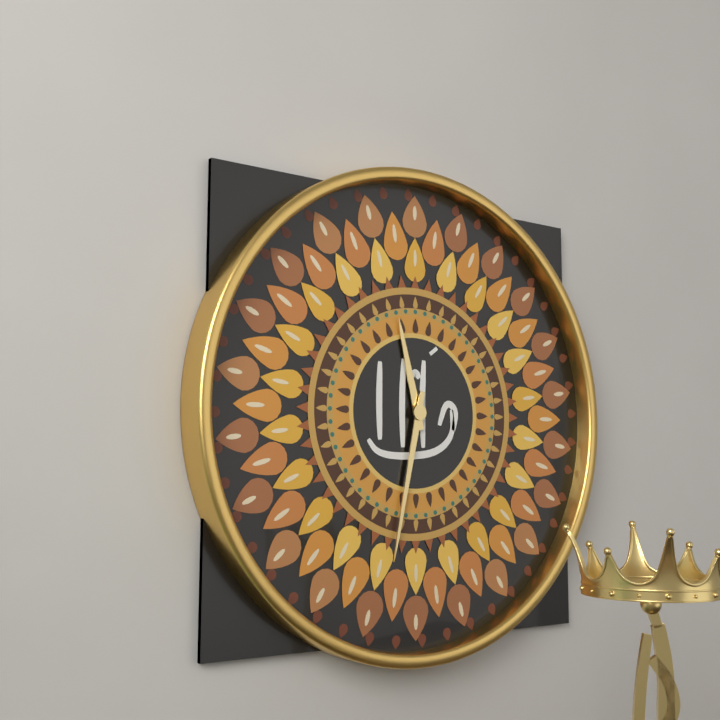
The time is h=11 m=32
